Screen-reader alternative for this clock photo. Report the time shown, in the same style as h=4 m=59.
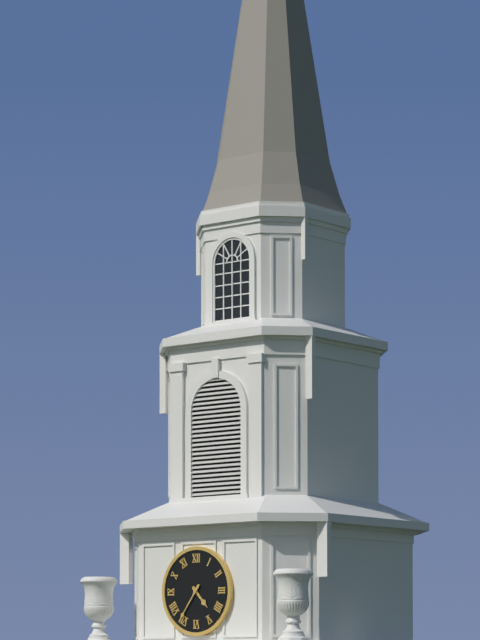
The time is h=4 m=36
